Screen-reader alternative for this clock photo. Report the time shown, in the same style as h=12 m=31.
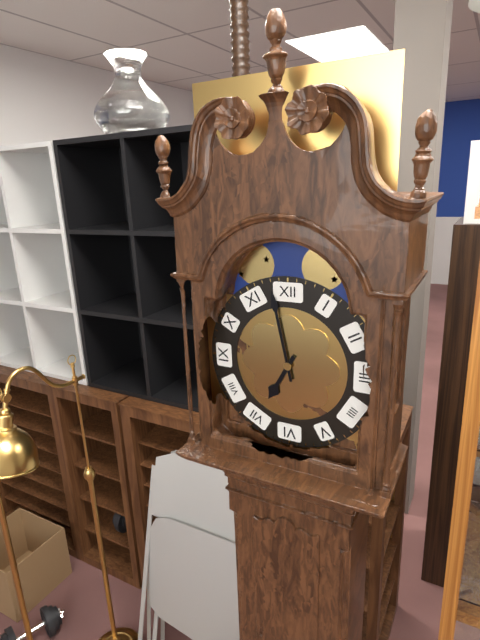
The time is h=6 m=58
